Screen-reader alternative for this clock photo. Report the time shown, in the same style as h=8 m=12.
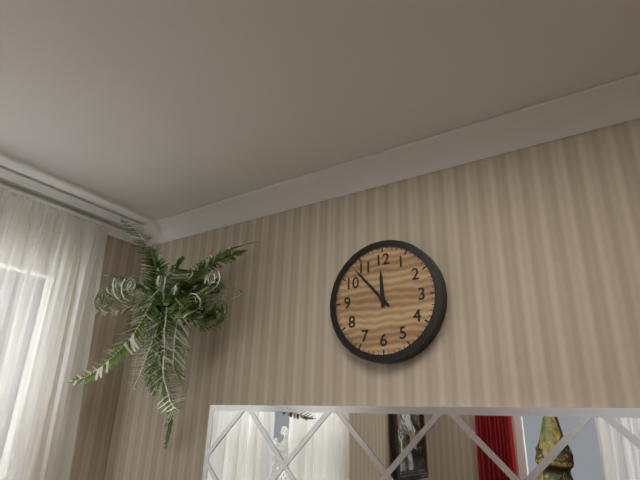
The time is h=11 m=53
